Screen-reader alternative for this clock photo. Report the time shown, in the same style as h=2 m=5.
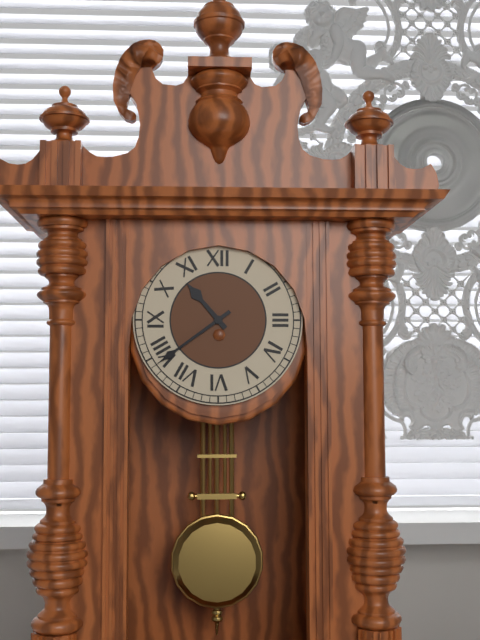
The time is h=10 m=39
